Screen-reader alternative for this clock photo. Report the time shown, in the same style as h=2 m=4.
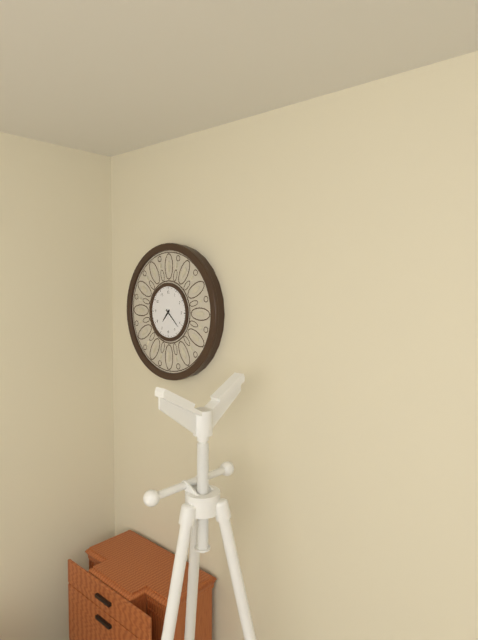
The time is h=7 m=22
